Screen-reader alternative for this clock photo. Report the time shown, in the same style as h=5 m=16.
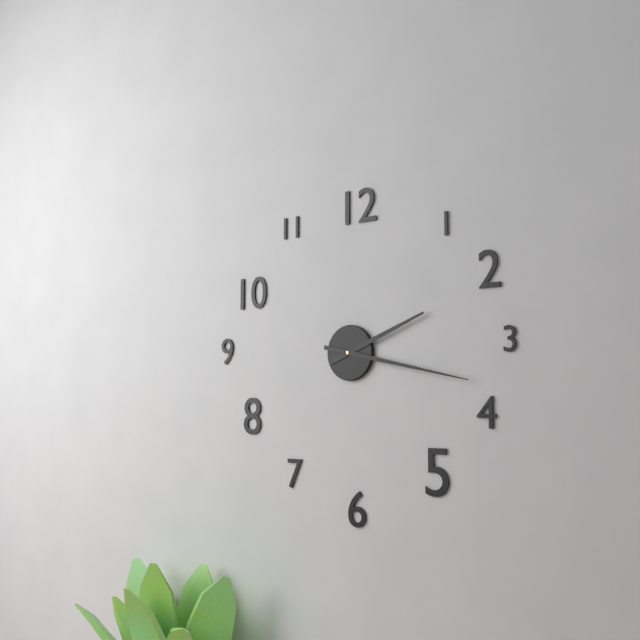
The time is h=2 m=17
